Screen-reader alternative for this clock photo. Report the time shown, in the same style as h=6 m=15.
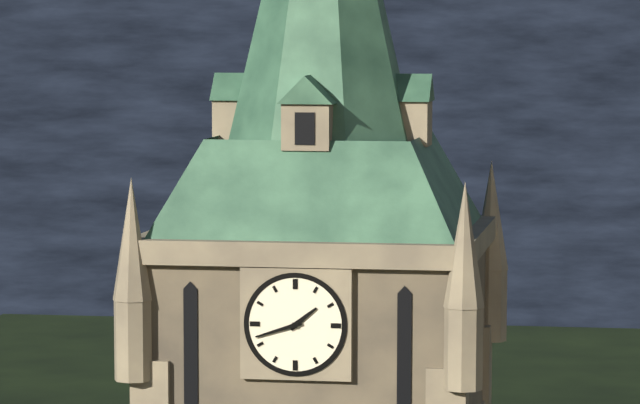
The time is h=1 m=42
